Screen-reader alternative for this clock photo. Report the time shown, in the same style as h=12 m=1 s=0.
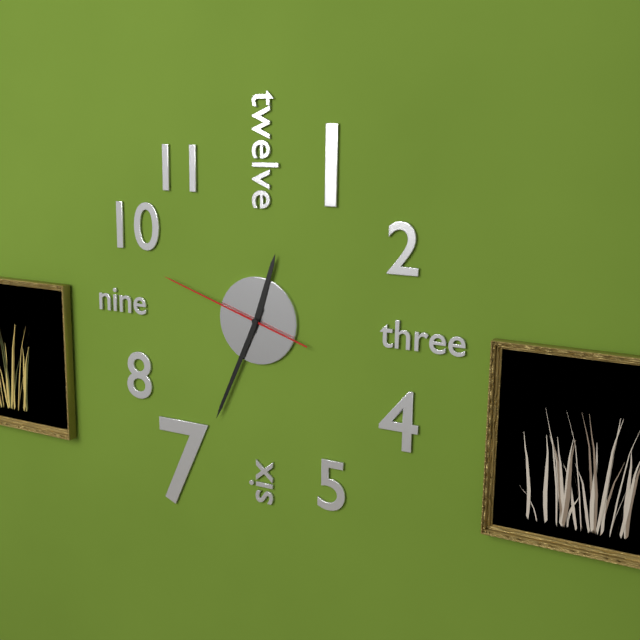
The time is h=12 m=34 s=48
